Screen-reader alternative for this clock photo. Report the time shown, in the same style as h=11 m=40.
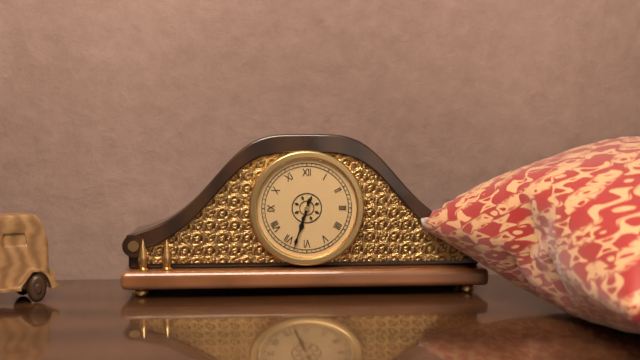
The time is h=6 m=33
